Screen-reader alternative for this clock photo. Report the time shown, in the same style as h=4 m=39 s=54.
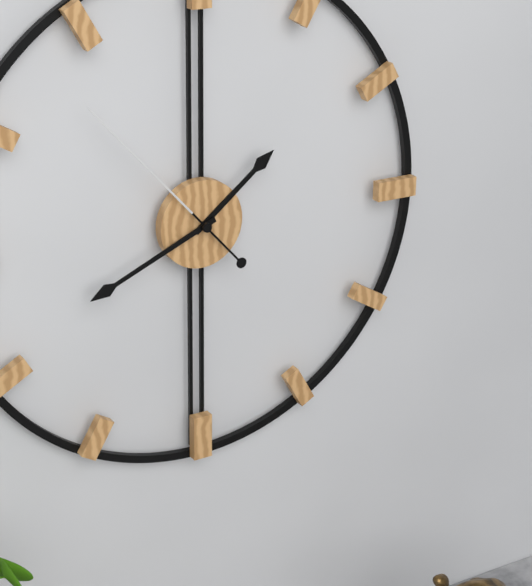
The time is h=1 m=41 s=53
